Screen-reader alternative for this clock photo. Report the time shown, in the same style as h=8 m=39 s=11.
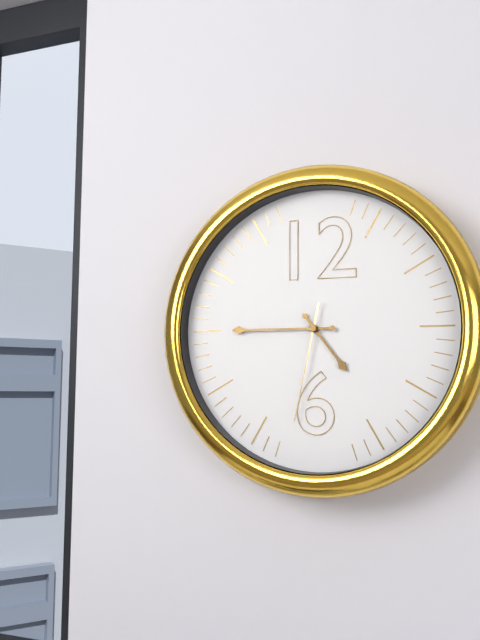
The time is h=4 m=45 s=32
